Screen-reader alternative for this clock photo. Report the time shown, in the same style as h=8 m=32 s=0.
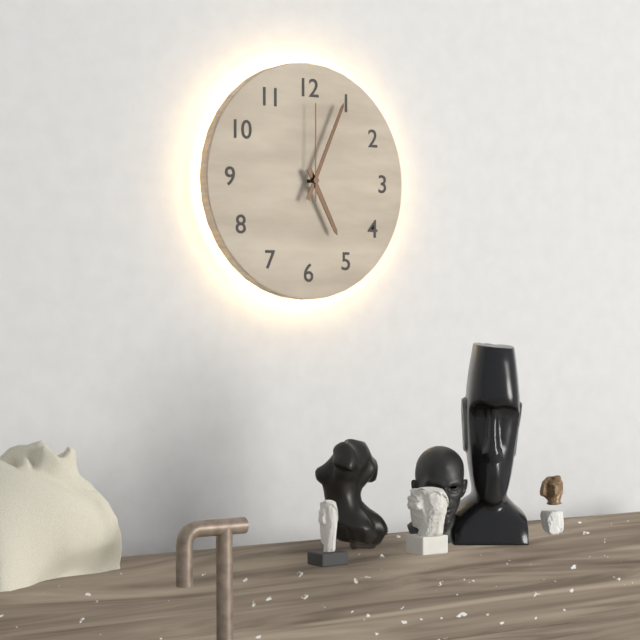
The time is h=5 m=4 s=0
